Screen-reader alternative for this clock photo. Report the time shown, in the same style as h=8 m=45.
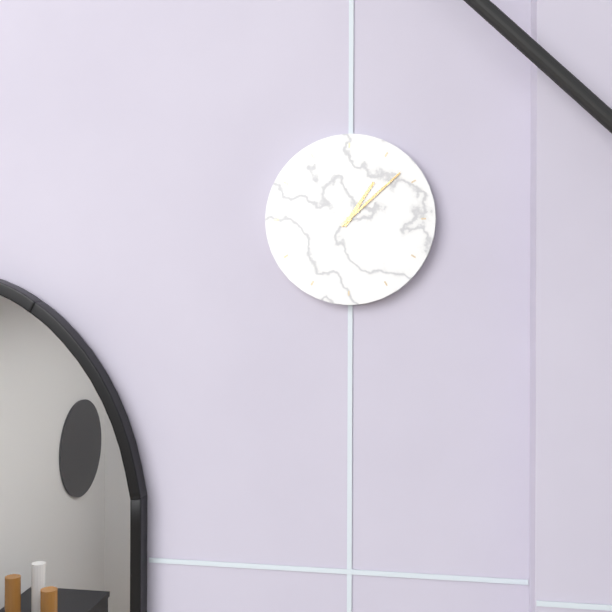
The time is h=1 m=8
